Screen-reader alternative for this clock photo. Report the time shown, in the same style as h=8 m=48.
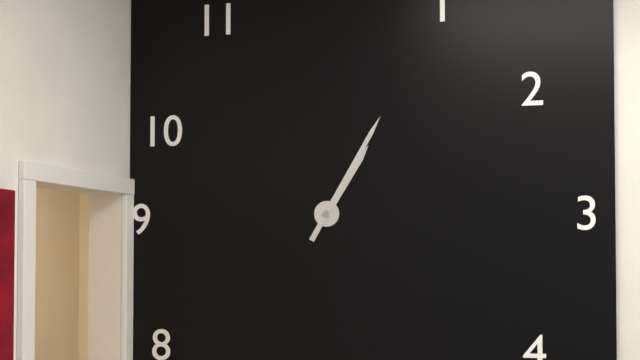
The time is h=1 m=5
